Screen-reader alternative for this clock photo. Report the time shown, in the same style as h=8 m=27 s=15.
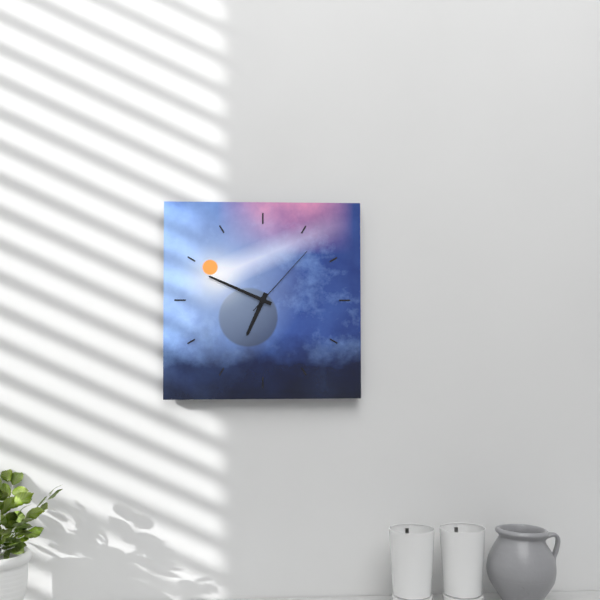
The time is h=6 m=49 s=7
